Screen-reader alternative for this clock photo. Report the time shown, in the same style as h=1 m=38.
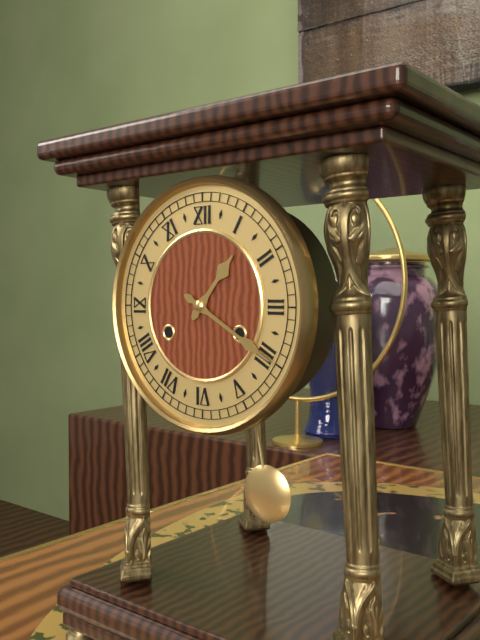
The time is h=1 m=20
